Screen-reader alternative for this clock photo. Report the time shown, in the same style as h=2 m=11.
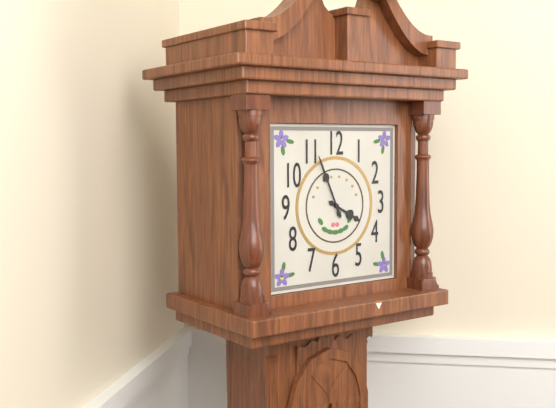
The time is h=3 m=56
